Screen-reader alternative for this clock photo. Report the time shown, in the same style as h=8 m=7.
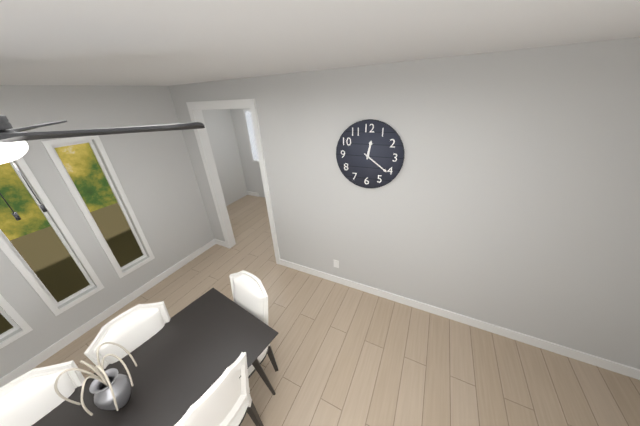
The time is h=12 m=21
